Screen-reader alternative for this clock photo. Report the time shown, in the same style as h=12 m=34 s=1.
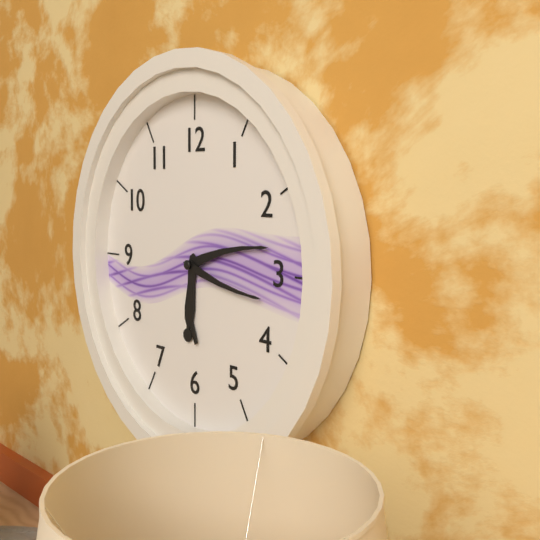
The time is h=6 m=13 s=17
